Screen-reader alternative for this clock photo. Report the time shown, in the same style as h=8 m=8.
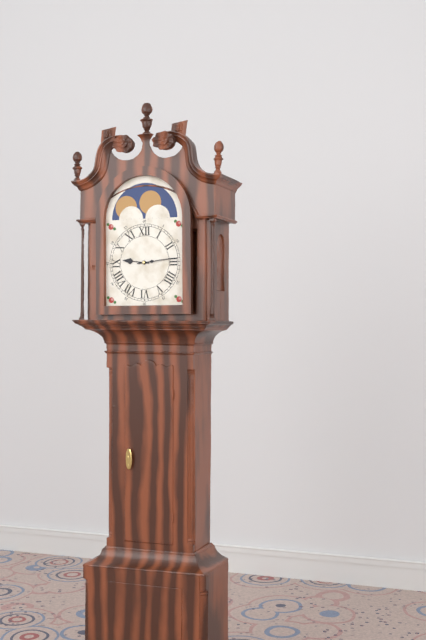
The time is h=9 m=14
